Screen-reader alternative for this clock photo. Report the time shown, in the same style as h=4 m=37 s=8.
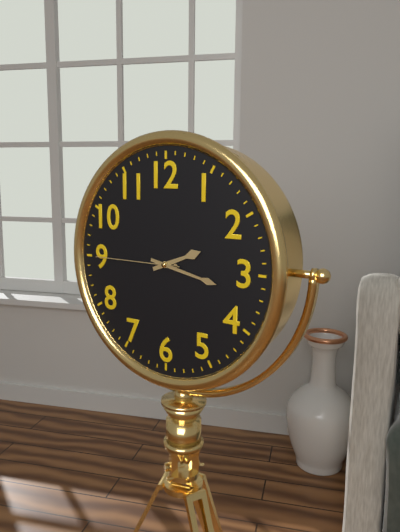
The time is h=2 m=17 s=45
